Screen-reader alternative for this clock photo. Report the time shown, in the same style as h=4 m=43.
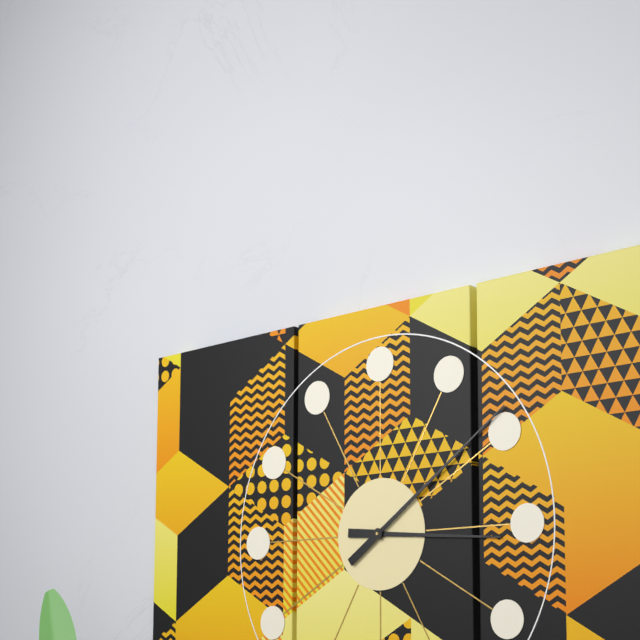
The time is h=3 m=9
